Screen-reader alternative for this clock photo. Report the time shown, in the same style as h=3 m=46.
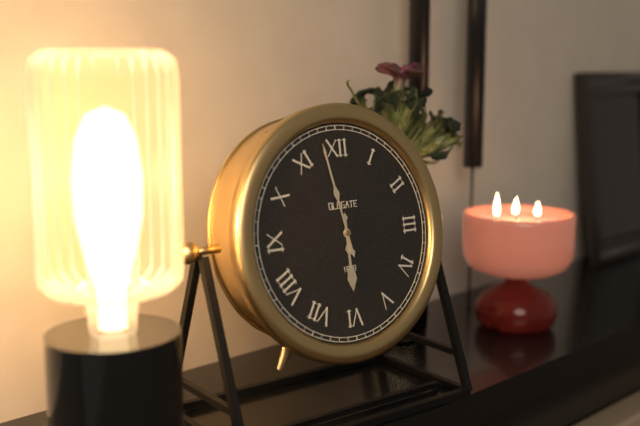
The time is h=5 m=58
